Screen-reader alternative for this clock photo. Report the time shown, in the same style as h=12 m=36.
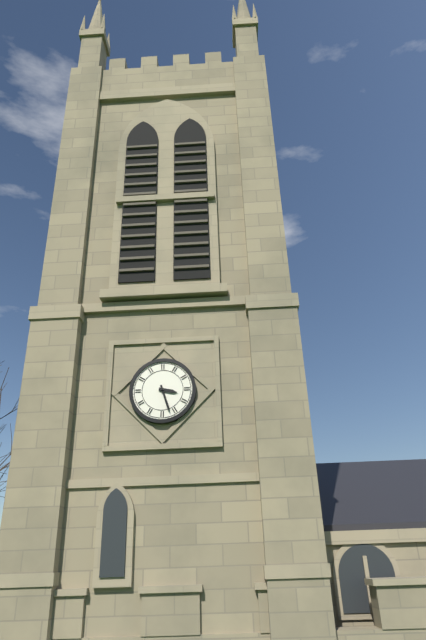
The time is h=3 m=27
